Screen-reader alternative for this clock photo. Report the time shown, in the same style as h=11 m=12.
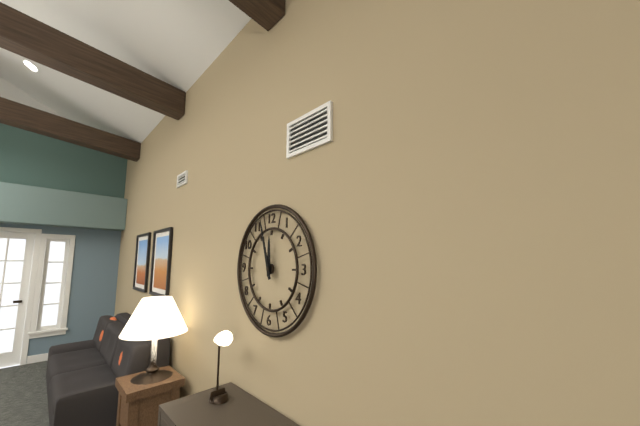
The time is h=11 m=57
